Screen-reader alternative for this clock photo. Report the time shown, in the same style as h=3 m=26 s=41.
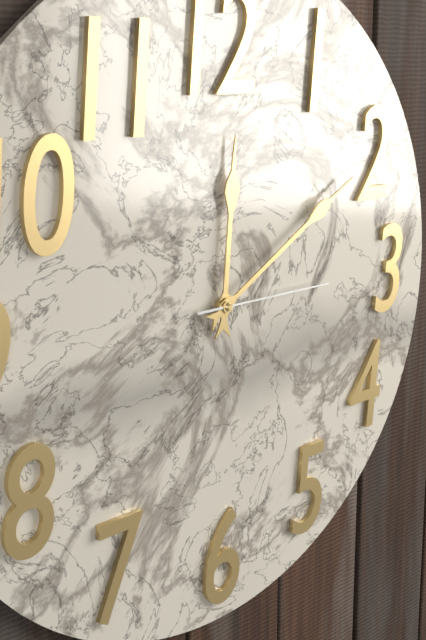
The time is h=12 m=10 s=15
